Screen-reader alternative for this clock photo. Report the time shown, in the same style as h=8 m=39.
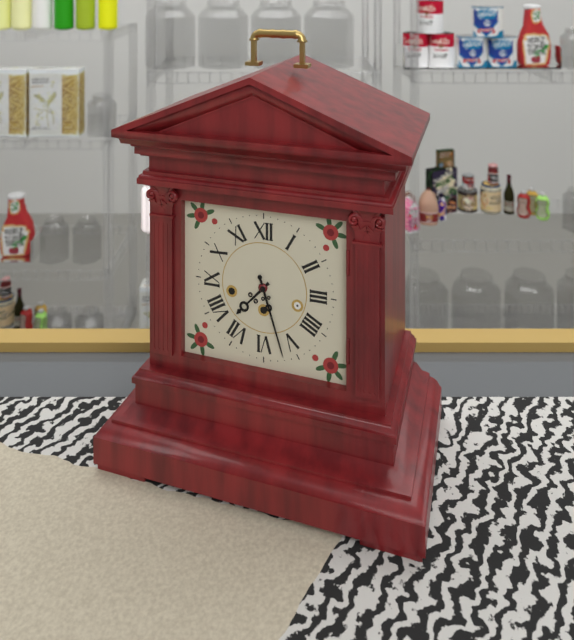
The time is h=7 m=27
